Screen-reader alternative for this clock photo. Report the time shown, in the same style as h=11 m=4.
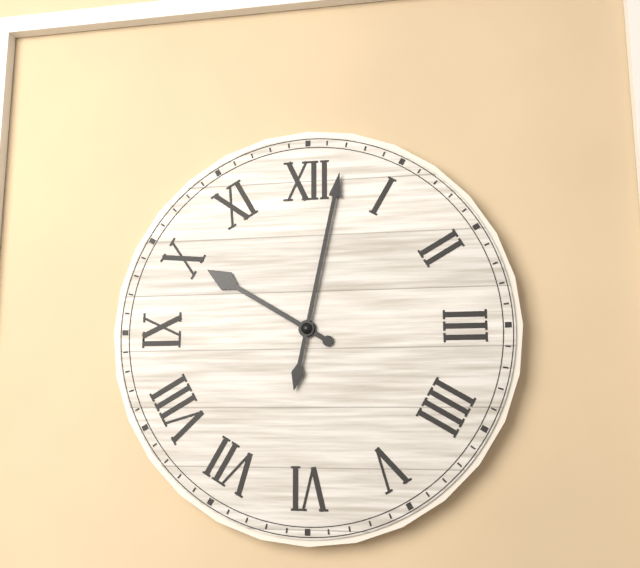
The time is h=10 m=2
